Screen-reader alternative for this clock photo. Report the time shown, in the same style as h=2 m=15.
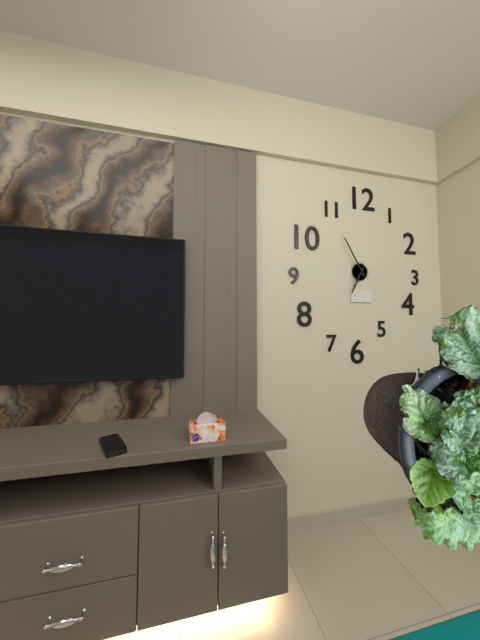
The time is h=6 m=55
